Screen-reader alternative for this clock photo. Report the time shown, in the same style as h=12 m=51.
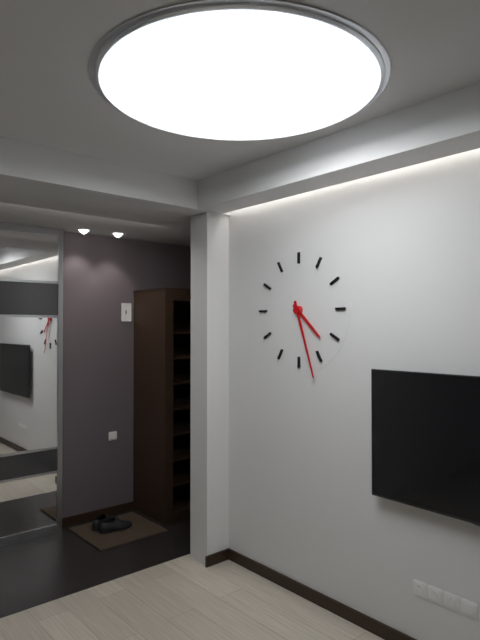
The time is h=4 m=27
